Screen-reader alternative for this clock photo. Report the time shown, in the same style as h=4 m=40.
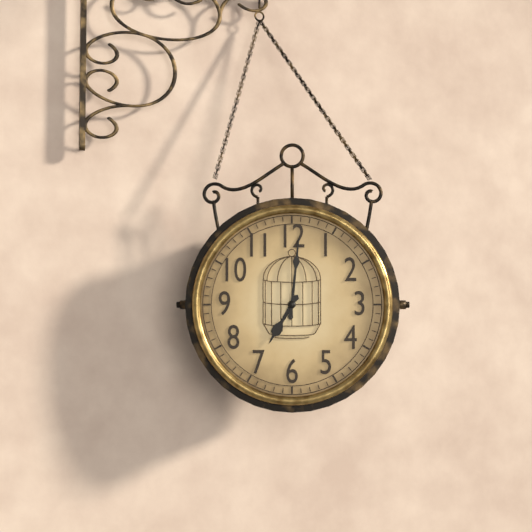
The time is h=7 m=1
